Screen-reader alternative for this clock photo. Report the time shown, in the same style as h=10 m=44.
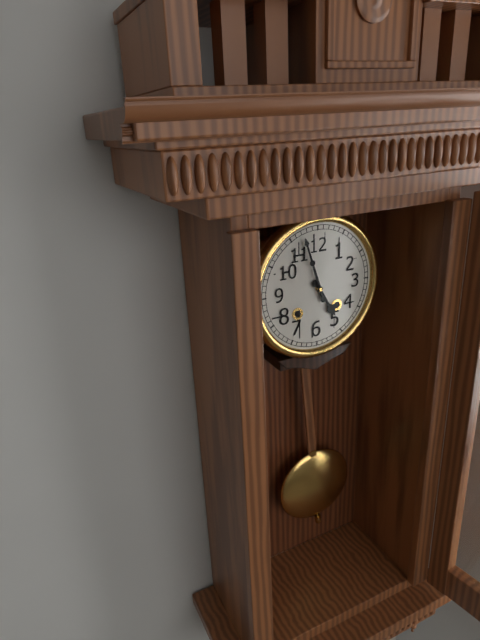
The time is h=4 m=57
